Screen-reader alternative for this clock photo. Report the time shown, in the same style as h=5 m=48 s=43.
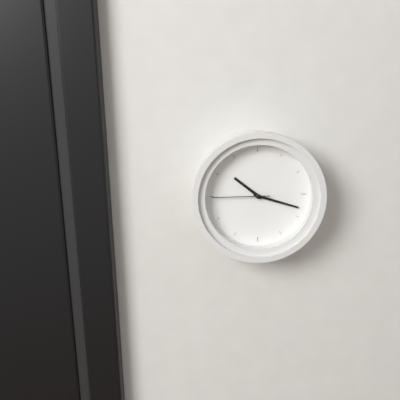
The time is h=10 m=18 s=45
